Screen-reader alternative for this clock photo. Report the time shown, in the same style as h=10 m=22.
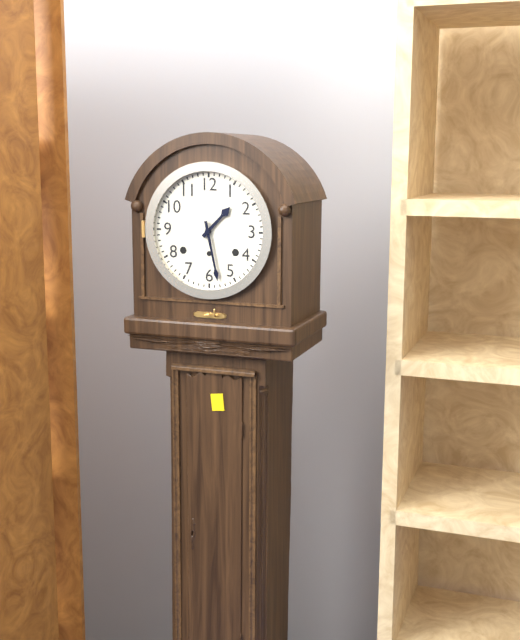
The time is h=1 m=28
